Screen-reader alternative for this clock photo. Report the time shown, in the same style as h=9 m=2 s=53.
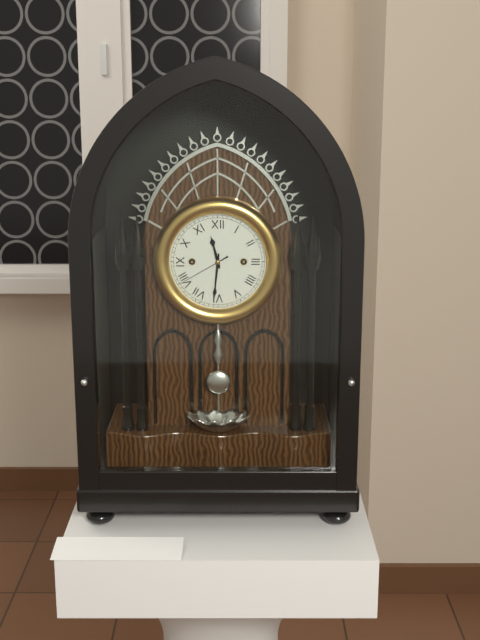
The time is h=11 m=31 s=40
